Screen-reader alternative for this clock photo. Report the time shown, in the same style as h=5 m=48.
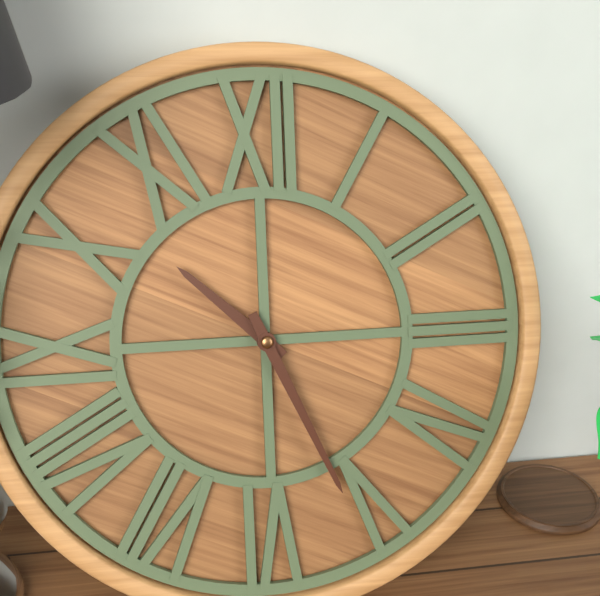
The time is h=10 m=26
